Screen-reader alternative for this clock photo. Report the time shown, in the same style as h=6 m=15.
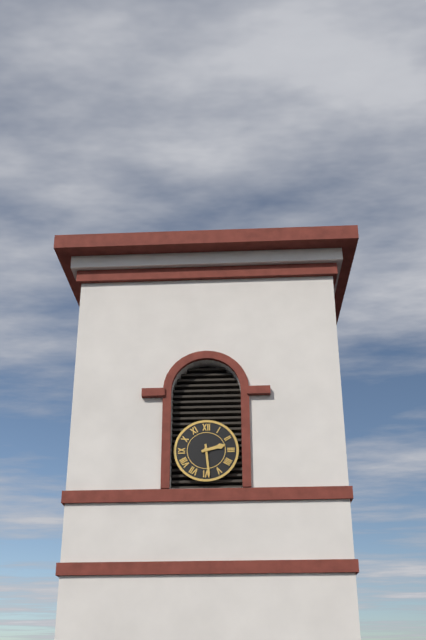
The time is h=2 m=29
